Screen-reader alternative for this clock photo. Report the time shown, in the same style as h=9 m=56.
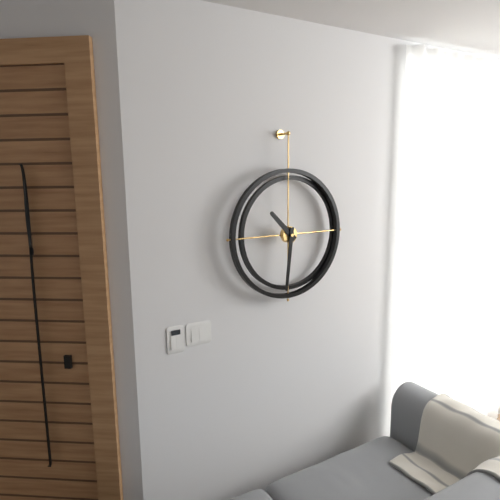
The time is h=10 m=31
